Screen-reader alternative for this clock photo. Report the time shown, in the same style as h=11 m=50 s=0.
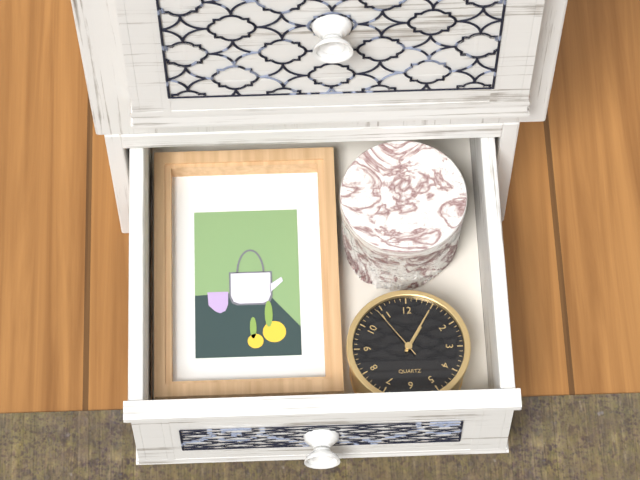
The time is h=1 m=5 s=54
